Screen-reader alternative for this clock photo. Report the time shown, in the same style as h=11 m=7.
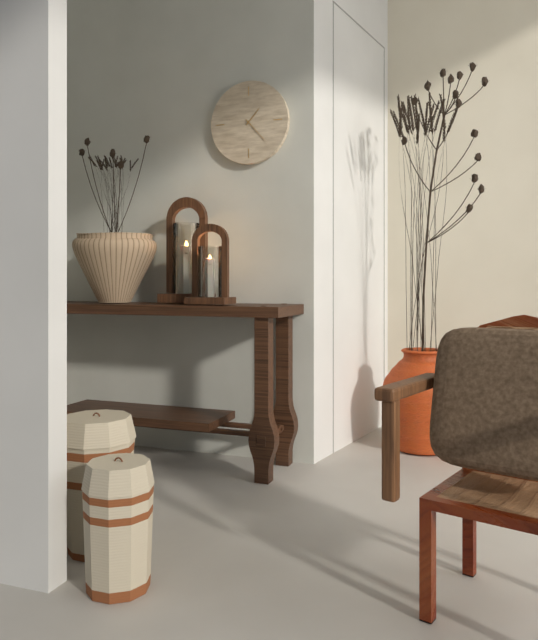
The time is h=1 m=23
